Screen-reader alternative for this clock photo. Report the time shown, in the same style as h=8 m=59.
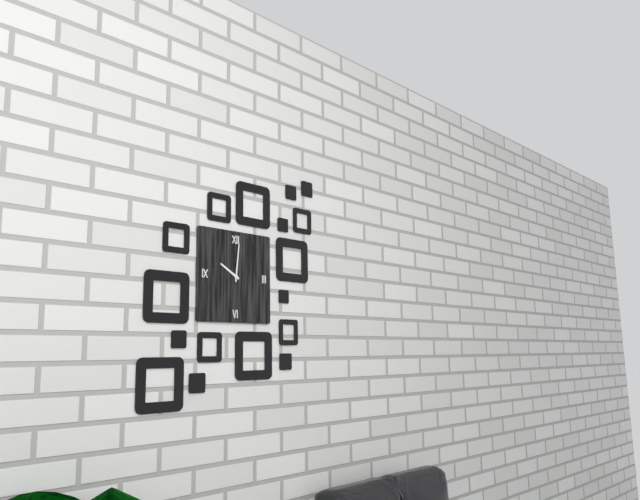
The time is h=10 m=1
